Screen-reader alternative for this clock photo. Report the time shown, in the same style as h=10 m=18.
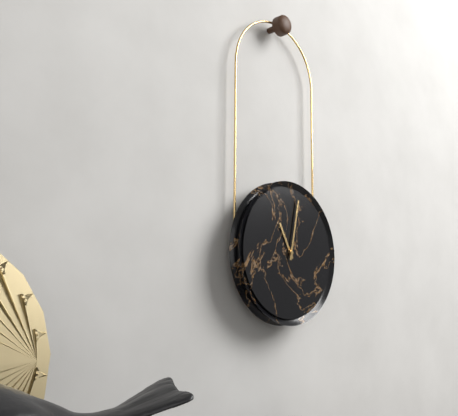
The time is h=11 m=2
